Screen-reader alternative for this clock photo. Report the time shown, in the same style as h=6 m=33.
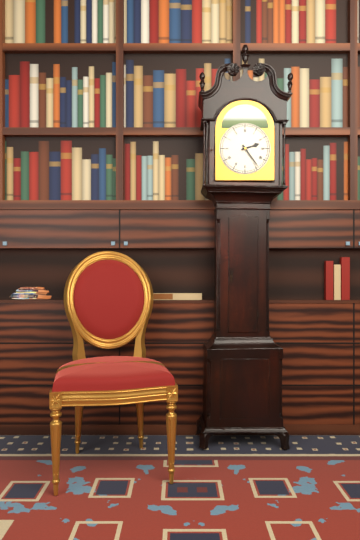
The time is h=2 m=24
